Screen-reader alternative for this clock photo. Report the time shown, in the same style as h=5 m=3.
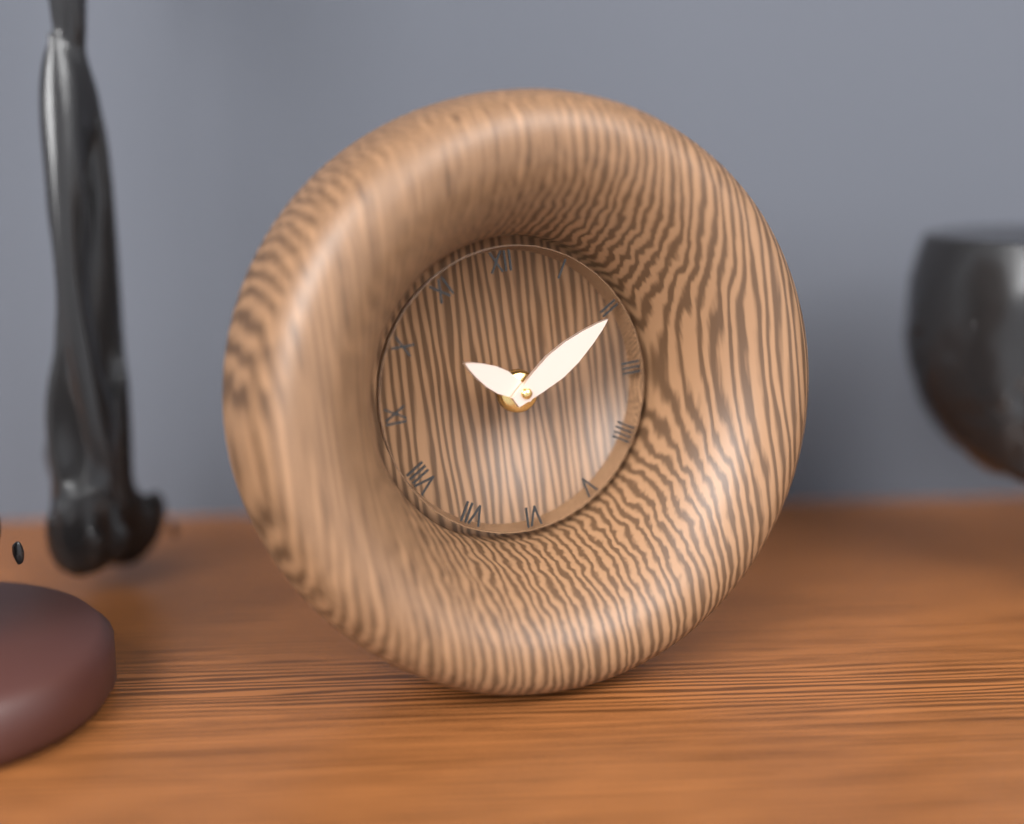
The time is h=10 m=10
